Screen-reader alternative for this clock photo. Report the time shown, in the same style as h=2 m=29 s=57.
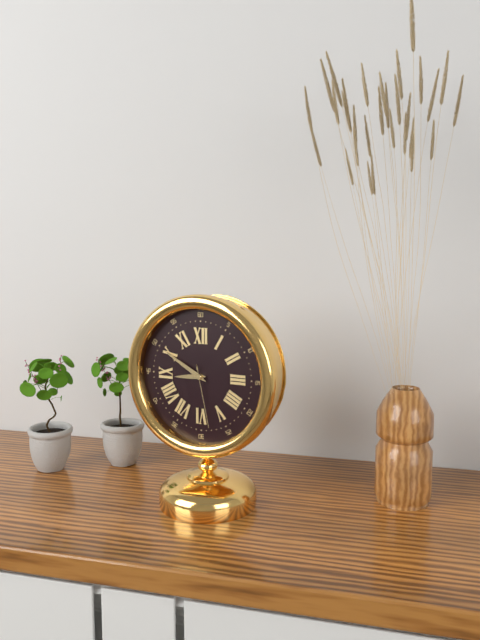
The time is h=8 m=50 s=28
